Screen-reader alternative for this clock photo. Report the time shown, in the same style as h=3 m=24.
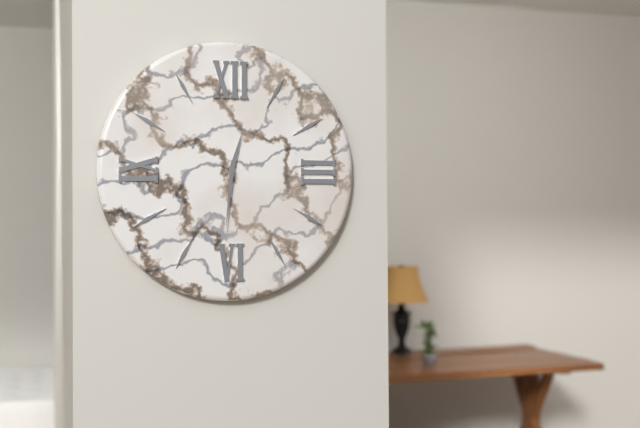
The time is h=12 m=31
